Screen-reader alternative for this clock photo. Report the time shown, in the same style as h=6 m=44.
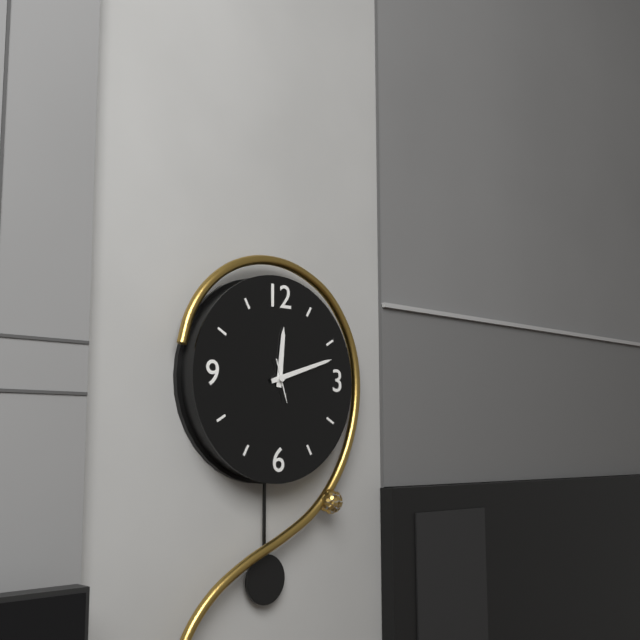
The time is h=12 m=12
